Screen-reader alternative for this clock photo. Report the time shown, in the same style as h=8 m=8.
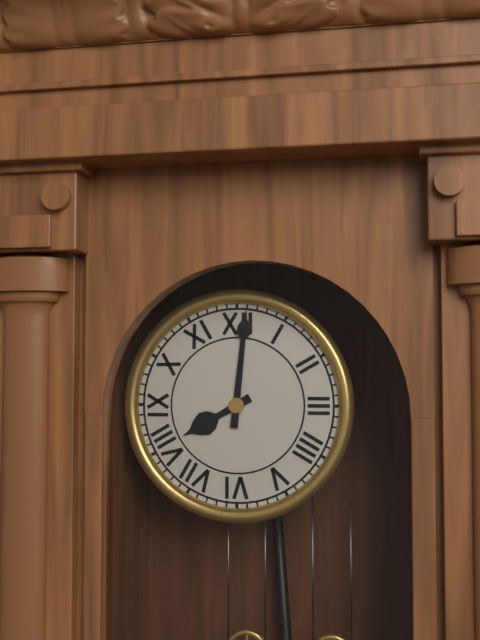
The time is h=8 m=1
